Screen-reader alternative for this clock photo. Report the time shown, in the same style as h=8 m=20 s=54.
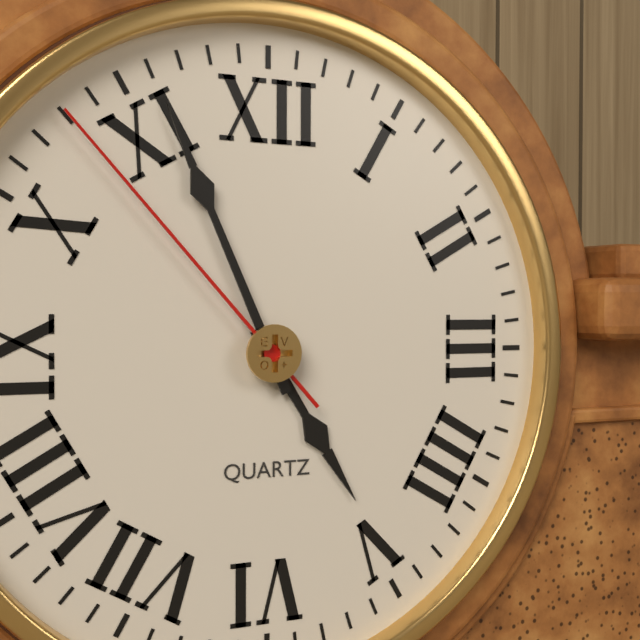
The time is h=4 m=56 s=53
